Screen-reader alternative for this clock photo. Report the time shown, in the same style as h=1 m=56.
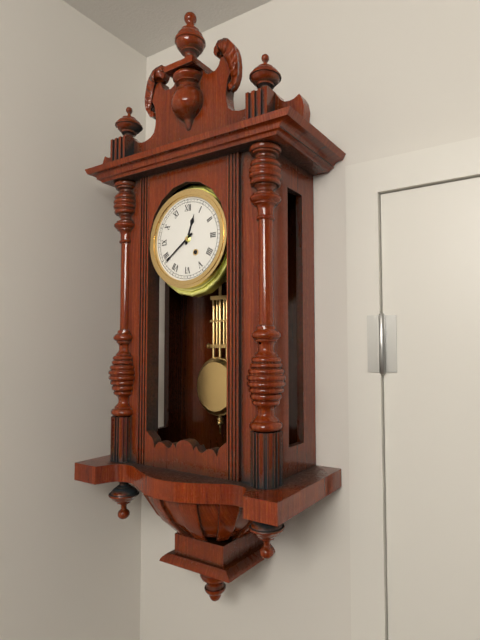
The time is h=12 m=39
